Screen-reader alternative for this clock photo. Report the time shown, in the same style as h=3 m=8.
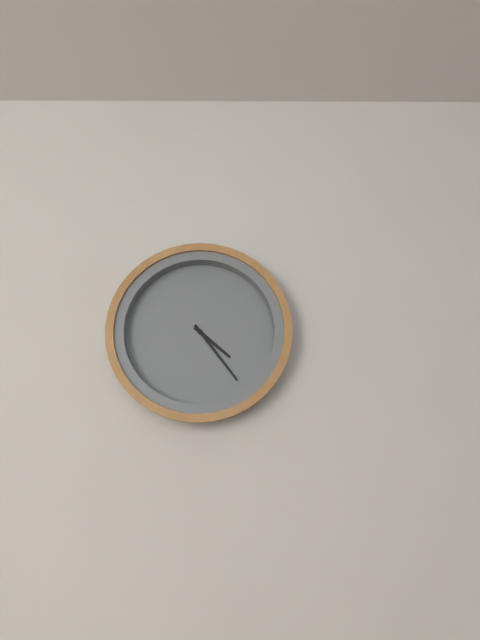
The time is h=4 m=24
